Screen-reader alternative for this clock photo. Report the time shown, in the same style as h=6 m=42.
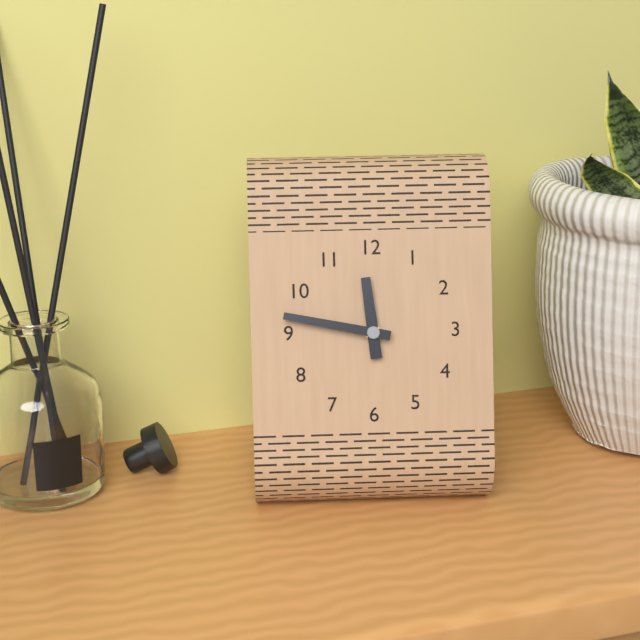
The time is h=11 m=47
